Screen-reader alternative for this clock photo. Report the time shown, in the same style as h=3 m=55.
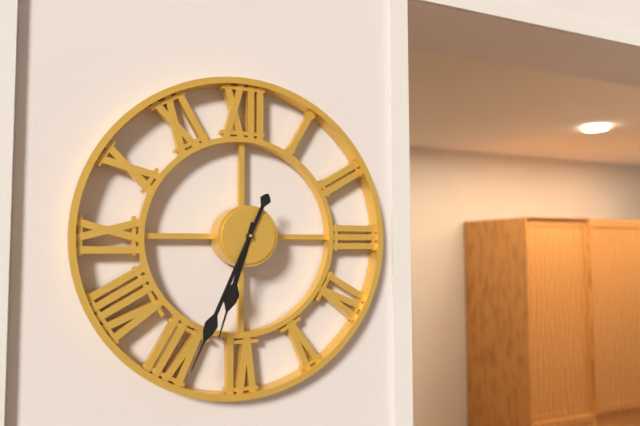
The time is h=6 m=34
